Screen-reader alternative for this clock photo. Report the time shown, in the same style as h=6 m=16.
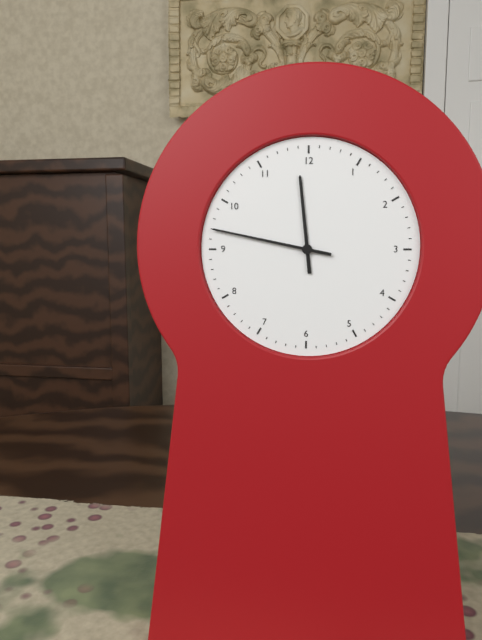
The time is h=11 m=47
